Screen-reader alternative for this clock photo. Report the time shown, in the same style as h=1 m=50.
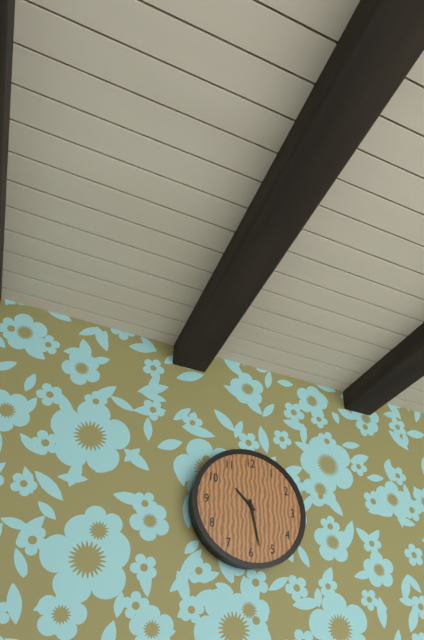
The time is h=10 m=28
